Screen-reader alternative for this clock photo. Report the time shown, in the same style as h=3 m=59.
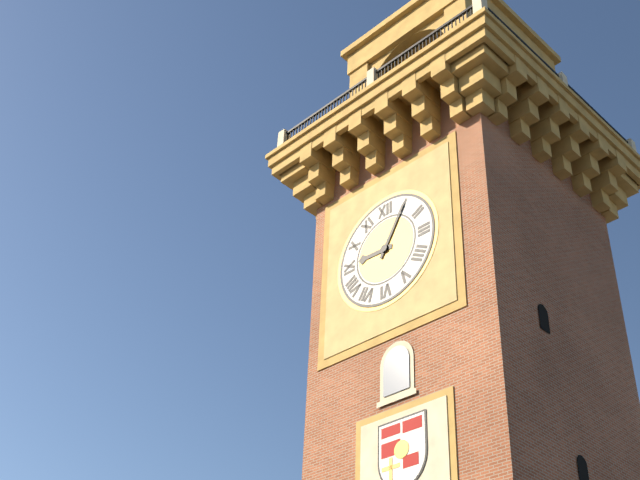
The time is h=9 m=5
